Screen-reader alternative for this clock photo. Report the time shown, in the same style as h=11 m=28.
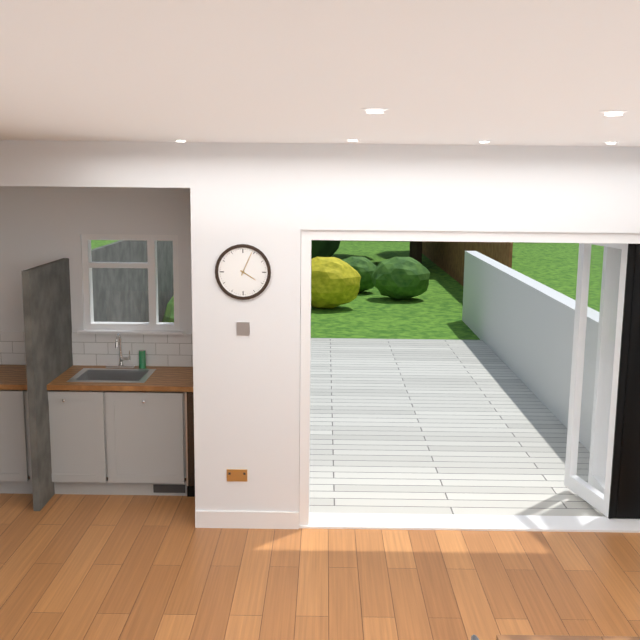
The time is h=4 m=4
